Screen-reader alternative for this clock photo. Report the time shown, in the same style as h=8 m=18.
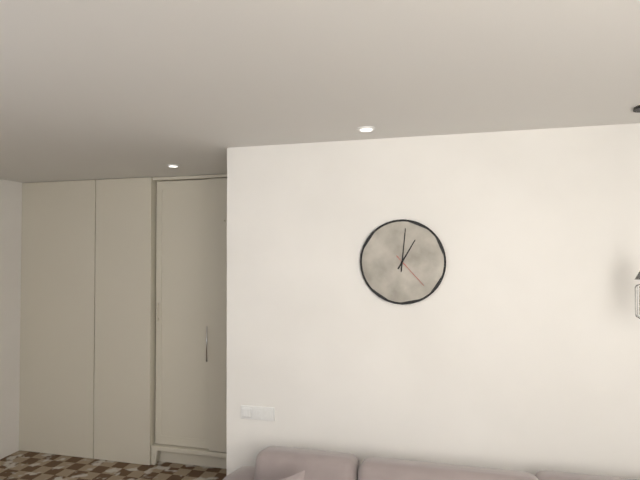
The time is h=1 m=1
